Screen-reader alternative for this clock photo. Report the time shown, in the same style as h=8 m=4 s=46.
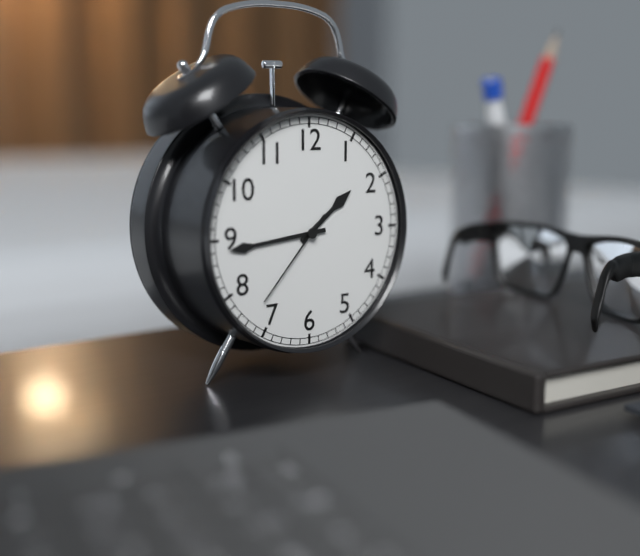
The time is h=1 m=44 s=37
